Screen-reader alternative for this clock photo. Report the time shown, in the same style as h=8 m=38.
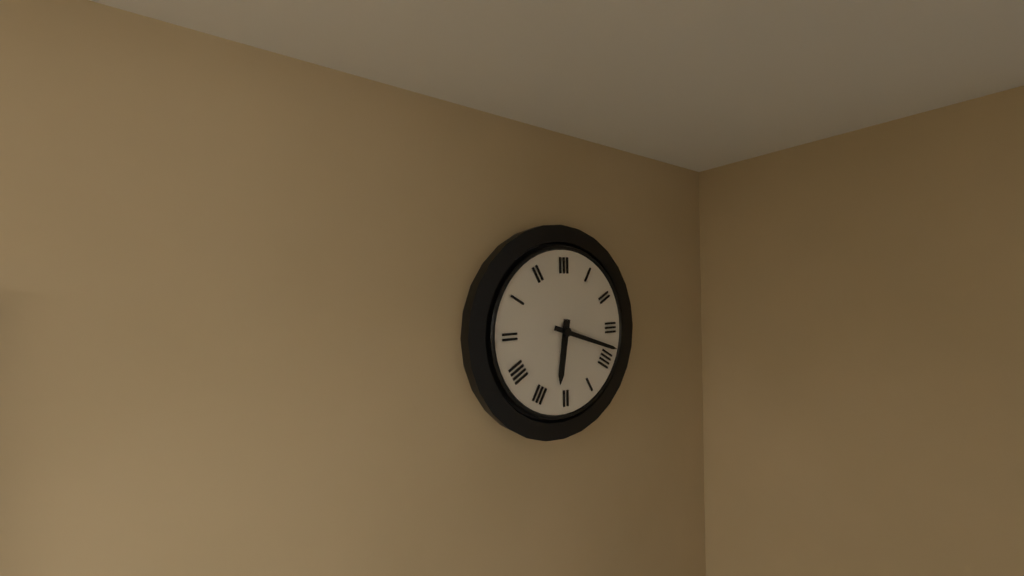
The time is h=6 m=18
